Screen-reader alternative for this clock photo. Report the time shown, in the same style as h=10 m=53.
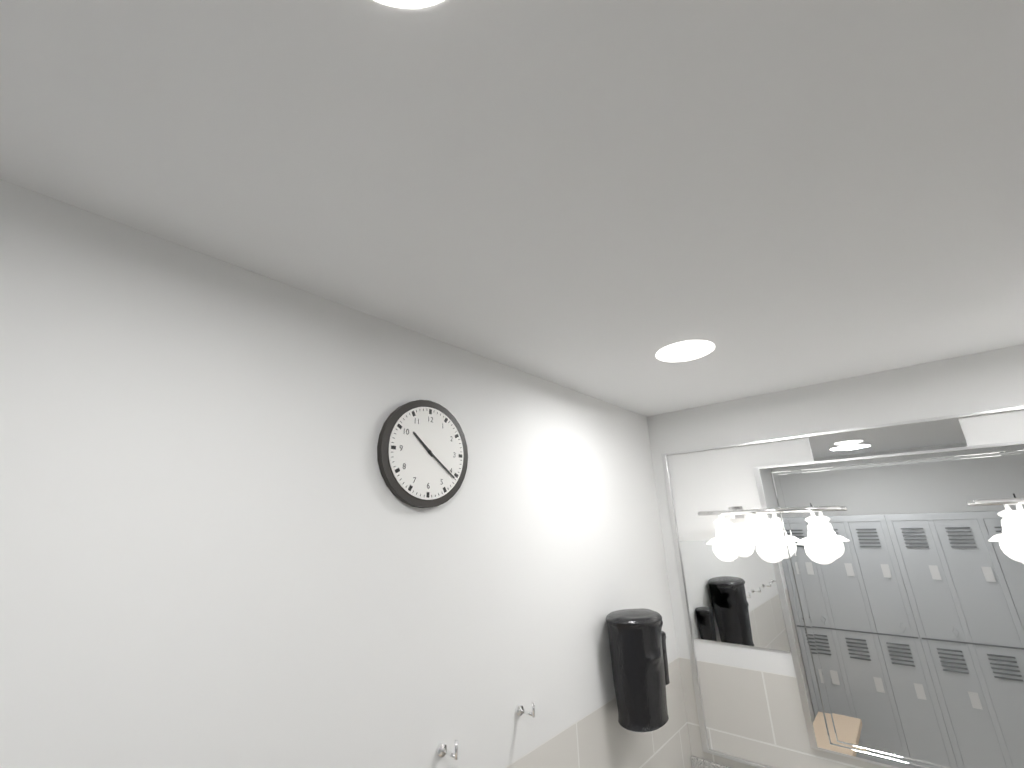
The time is h=10 m=21
